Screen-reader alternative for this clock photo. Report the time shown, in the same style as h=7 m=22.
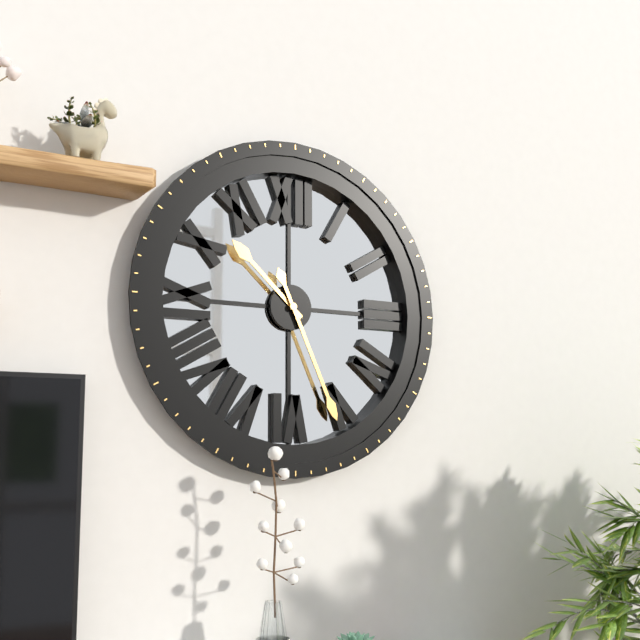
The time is h=10 m=26
